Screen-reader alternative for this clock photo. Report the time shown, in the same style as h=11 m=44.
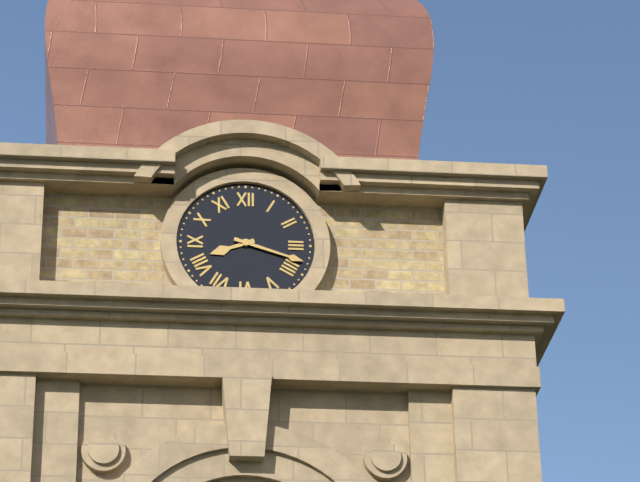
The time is h=8 m=18
